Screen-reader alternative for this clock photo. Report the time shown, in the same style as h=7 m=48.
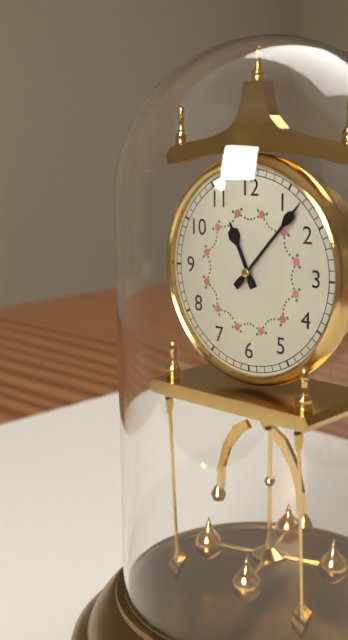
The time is h=11 m=7
